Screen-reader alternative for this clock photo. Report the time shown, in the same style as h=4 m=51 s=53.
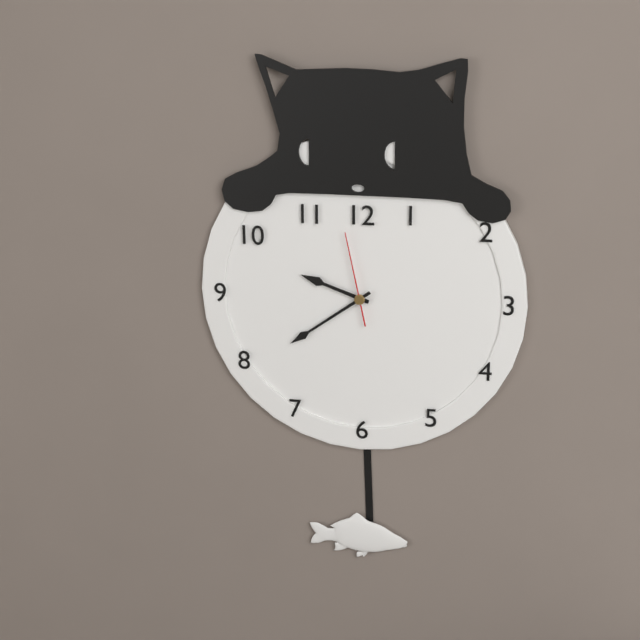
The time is h=9 m=39 s=58
